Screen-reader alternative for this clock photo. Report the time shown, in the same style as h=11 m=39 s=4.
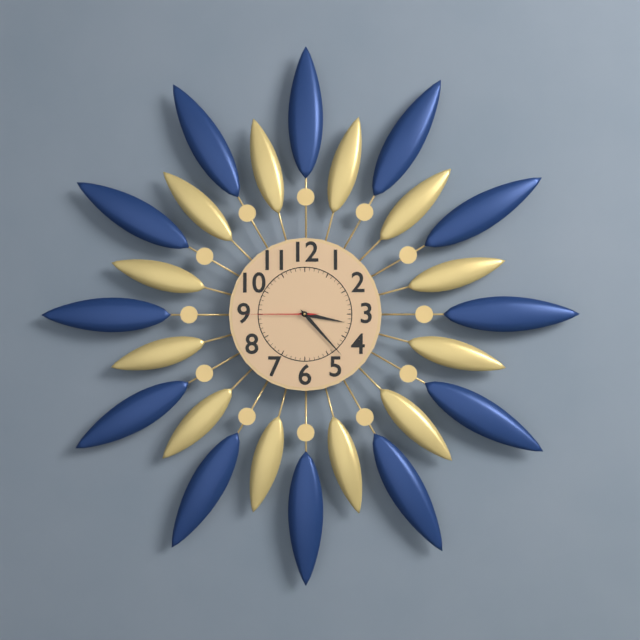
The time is h=3 m=23 s=45
